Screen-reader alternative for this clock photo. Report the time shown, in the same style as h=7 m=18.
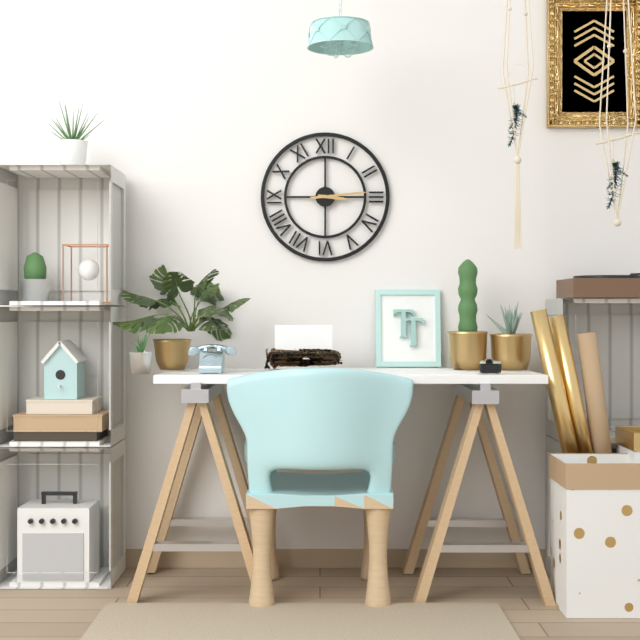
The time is h=3 m=14
